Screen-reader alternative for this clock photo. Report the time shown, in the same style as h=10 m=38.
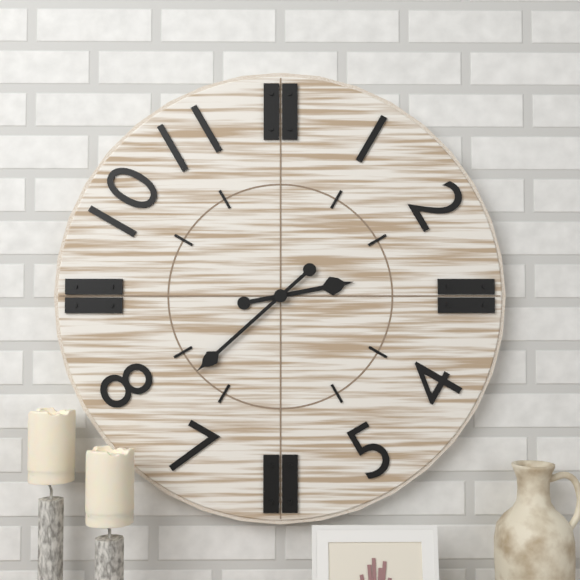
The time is h=2 m=38
